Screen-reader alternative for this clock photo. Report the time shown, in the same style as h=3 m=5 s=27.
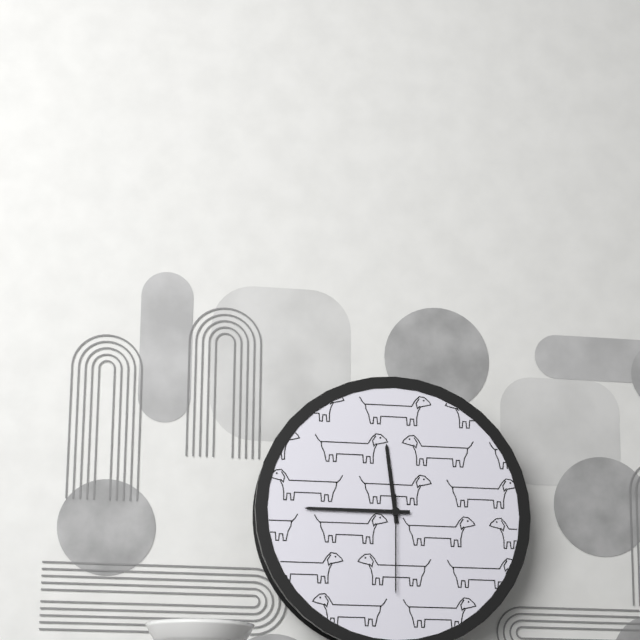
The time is h=11 m=45 s=30
